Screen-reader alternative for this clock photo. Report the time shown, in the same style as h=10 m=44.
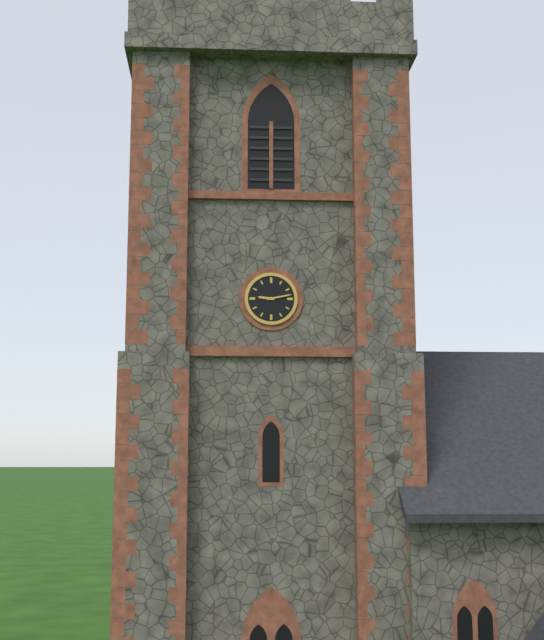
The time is h=9 m=13
